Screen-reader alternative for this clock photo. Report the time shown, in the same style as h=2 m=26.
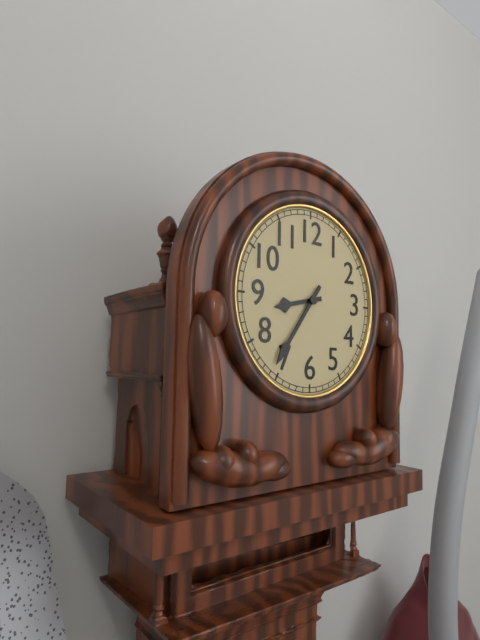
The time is h=8 m=36
